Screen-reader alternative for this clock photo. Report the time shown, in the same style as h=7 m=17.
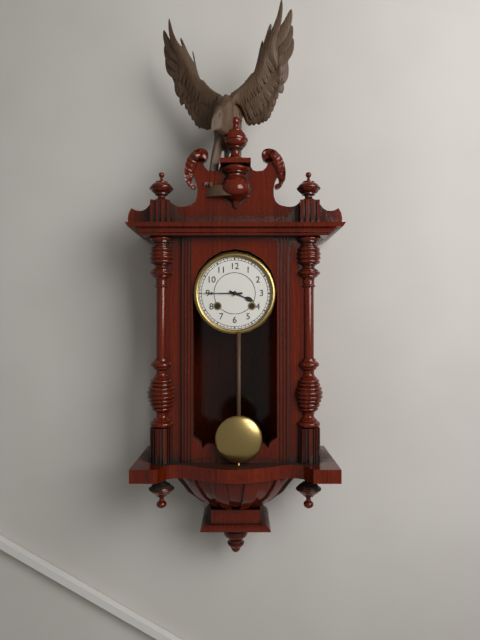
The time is h=3 m=45
